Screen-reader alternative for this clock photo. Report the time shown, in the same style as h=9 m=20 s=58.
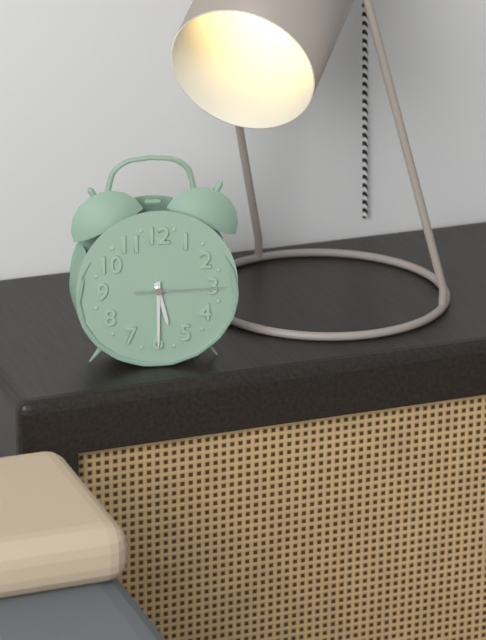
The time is h=5 m=30 s=15
